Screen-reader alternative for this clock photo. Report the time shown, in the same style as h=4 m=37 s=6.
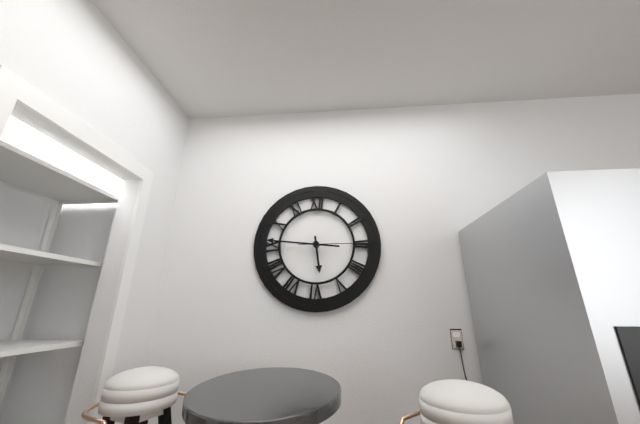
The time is h=5 m=46 s=15
